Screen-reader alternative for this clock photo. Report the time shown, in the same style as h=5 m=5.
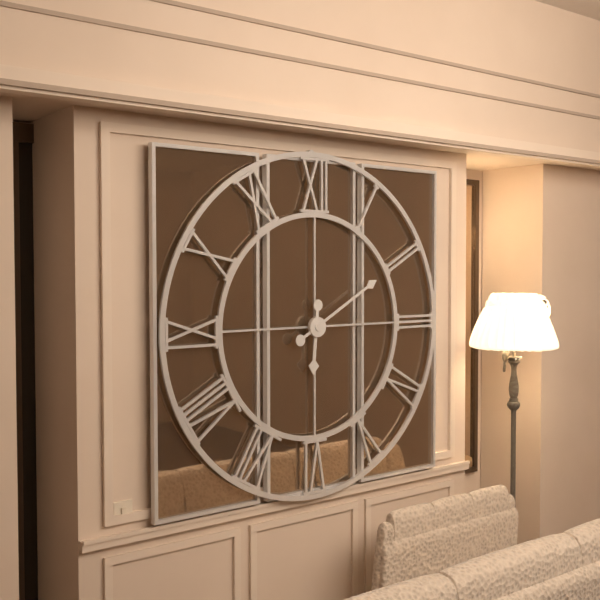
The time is h=6 m=10
